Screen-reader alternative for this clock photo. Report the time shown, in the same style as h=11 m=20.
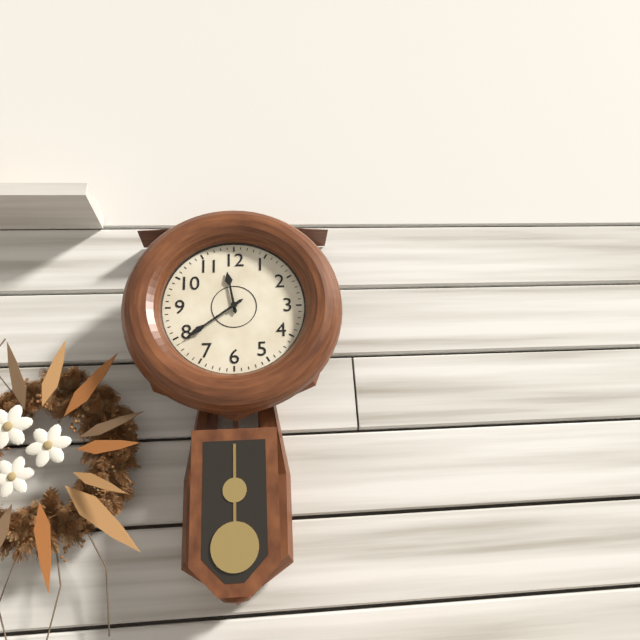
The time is h=11 m=39
